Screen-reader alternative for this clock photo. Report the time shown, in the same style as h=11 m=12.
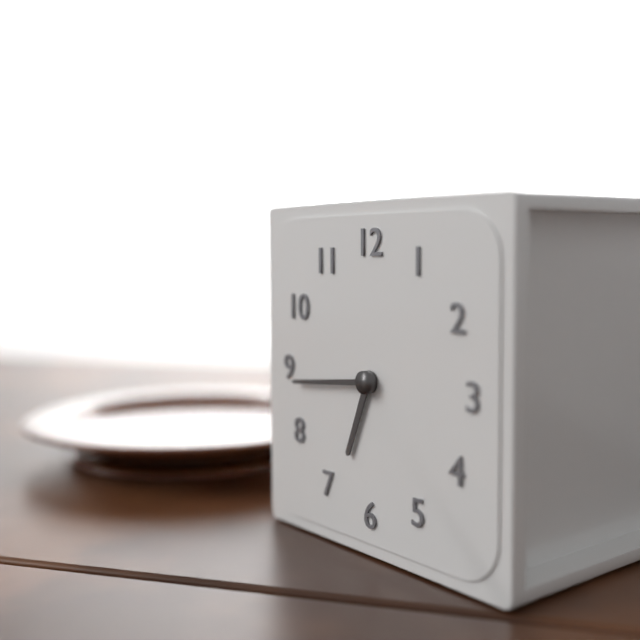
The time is h=6 m=44
